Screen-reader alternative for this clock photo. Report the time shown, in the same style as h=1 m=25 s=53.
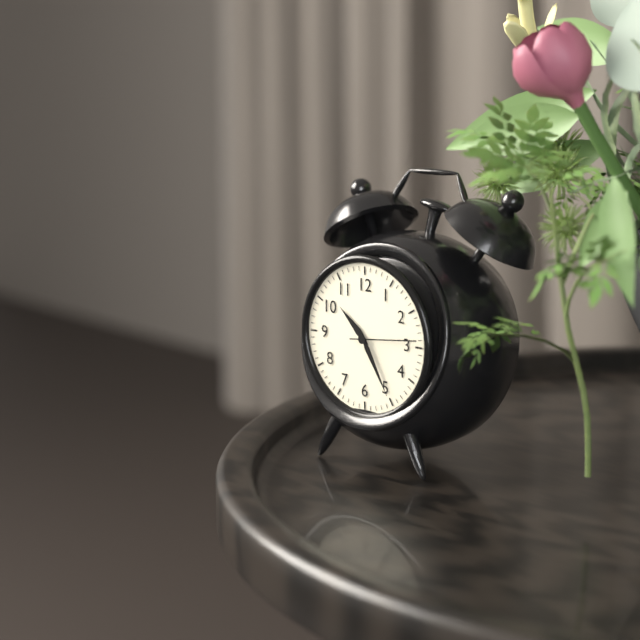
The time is h=10 m=25 s=14
